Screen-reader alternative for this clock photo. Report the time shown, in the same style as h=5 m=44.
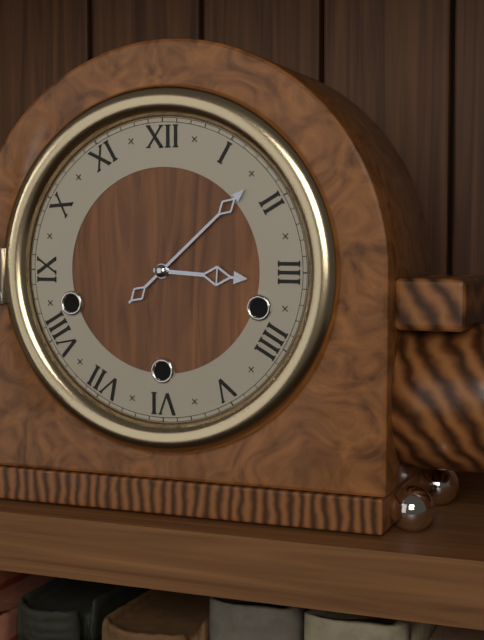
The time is h=3 m=8
